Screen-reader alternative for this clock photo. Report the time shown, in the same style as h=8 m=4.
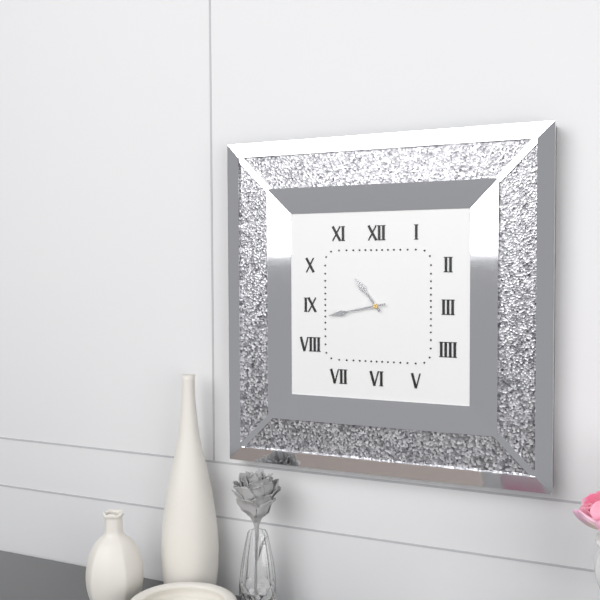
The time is h=10 m=43
